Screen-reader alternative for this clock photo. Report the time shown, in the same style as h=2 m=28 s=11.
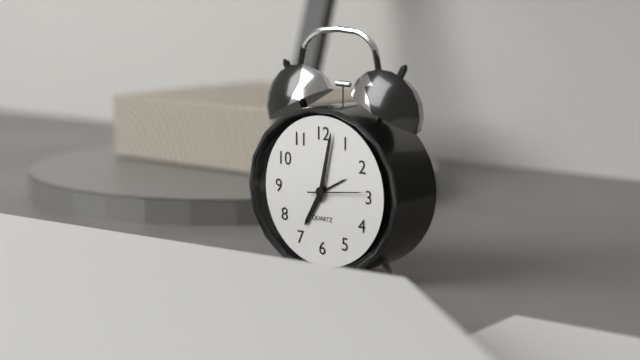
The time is h=7 m=2 s=14
